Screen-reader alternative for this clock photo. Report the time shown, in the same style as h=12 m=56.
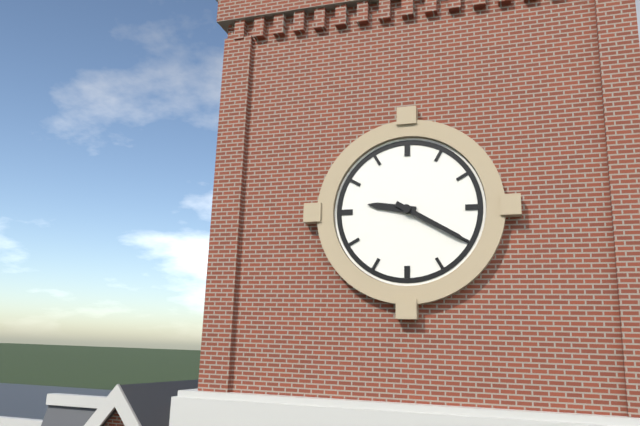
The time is h=9 m=20
